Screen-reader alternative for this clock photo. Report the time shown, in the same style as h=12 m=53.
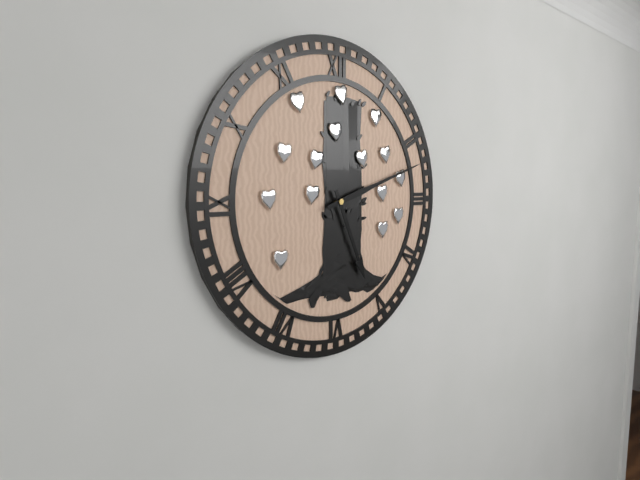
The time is h=5 m=12
